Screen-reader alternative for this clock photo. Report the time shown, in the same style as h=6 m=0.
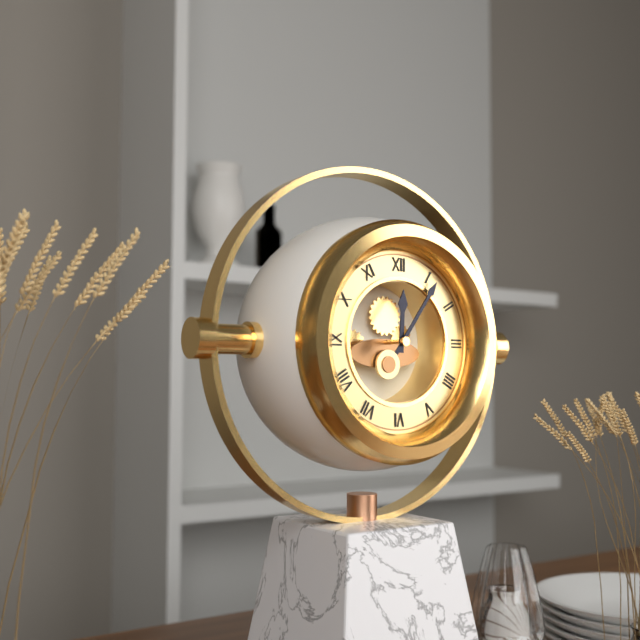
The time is h=12 m=6
